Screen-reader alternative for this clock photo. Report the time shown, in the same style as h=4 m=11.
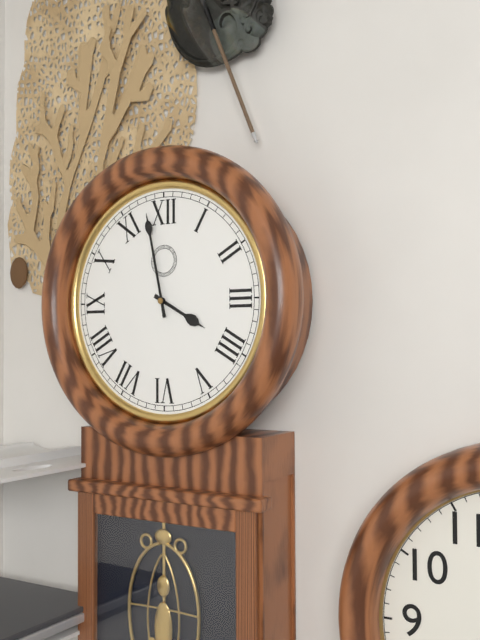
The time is h=3 m=58
